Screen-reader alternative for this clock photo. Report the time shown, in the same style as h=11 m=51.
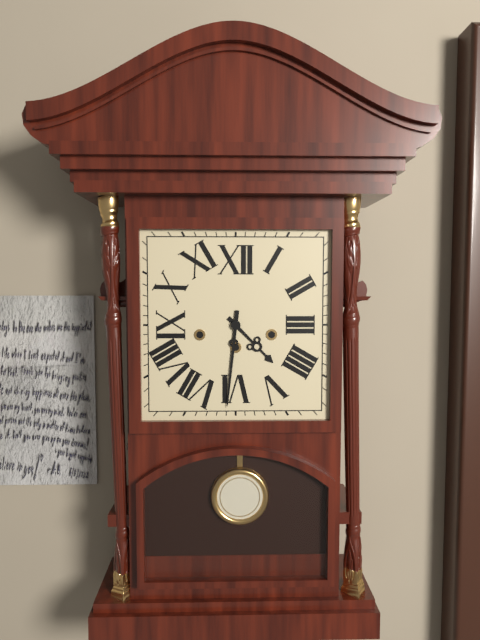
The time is h=4 m=31
